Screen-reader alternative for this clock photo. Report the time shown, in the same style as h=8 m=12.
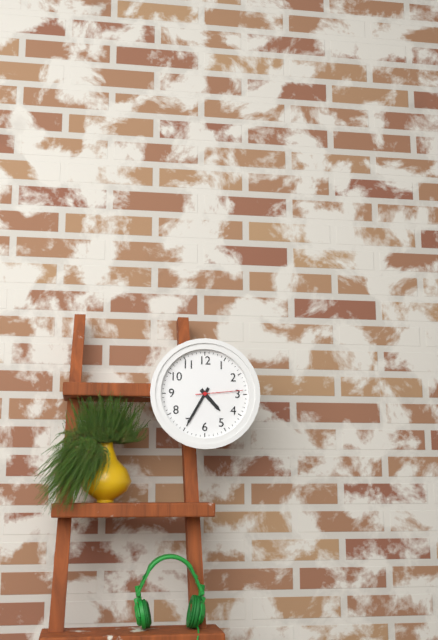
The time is h=4 m=35
